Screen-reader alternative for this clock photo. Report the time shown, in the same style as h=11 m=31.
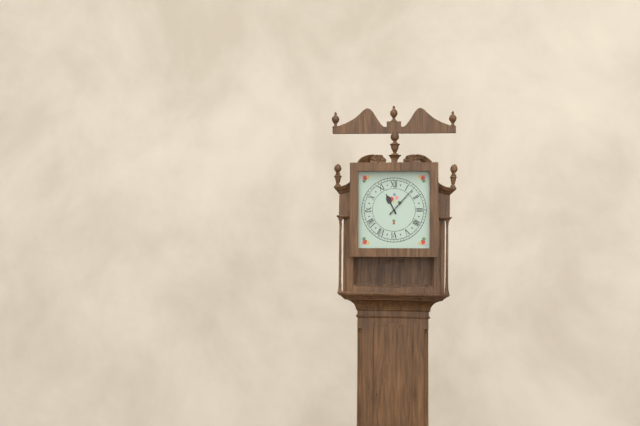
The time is h=11 m=7
